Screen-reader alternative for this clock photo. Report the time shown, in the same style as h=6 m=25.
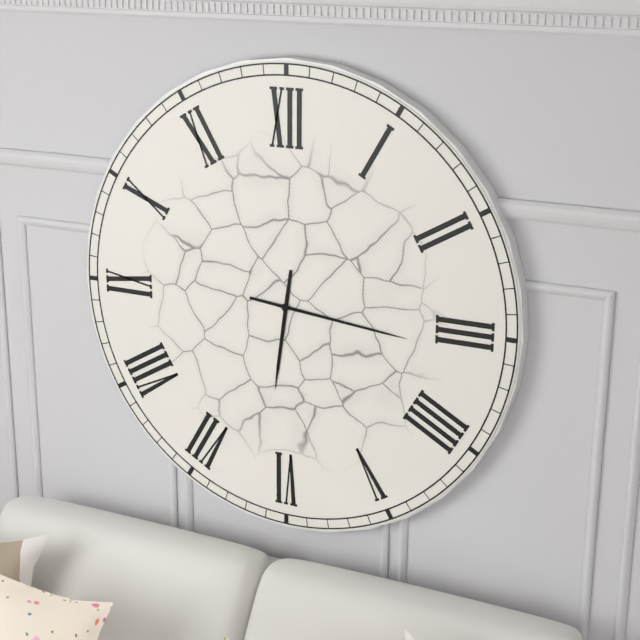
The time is h=6 m=16
